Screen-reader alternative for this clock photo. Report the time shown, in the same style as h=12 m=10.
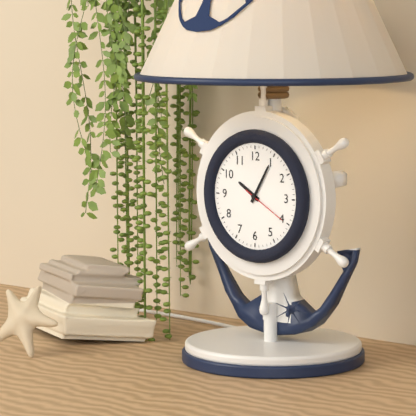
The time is h=10 m=5
